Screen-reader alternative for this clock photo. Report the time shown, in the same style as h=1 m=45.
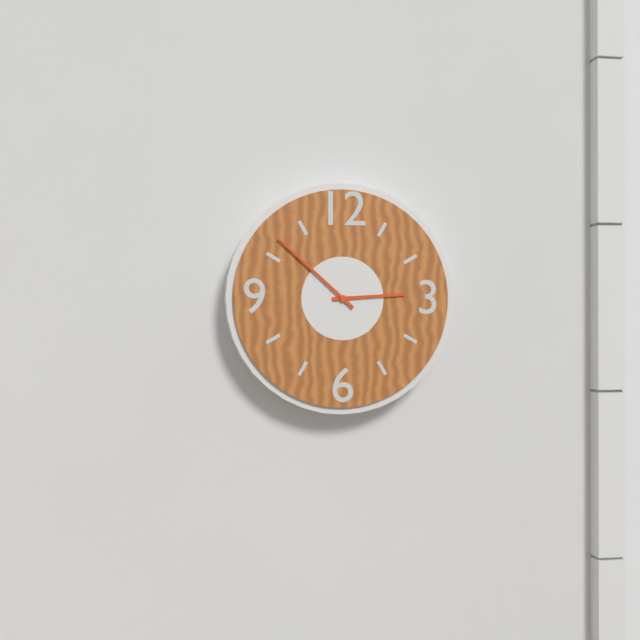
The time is h=2 m=52
